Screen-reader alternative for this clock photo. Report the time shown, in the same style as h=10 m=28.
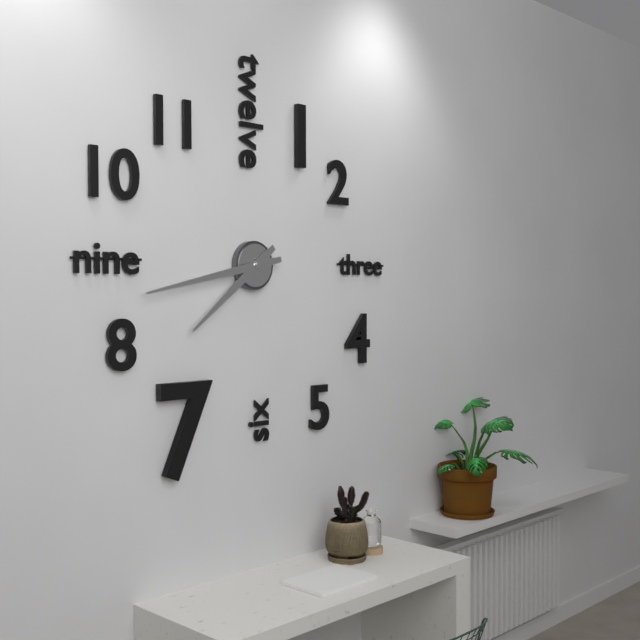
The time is h=7 m=43
